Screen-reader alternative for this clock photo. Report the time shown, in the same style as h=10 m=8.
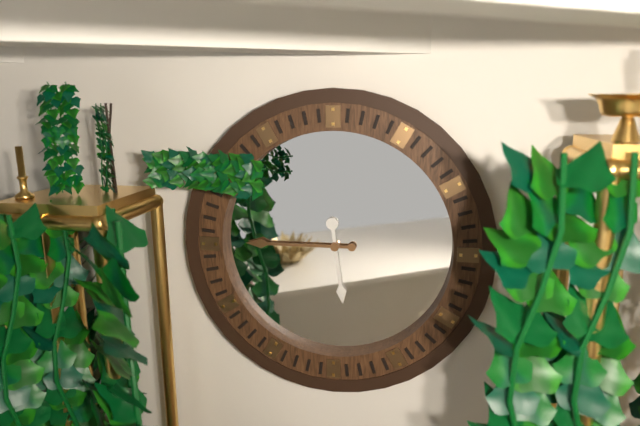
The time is h=5 m=45
